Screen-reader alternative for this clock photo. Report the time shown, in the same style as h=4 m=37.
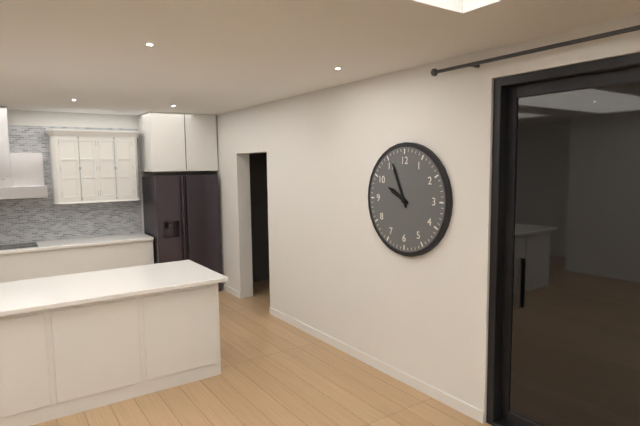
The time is h=9 m=56
